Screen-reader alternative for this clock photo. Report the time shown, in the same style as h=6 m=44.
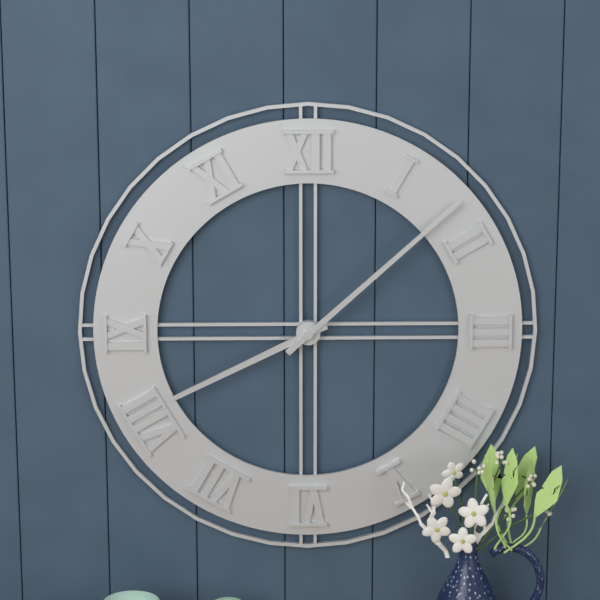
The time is h=8 m=8
